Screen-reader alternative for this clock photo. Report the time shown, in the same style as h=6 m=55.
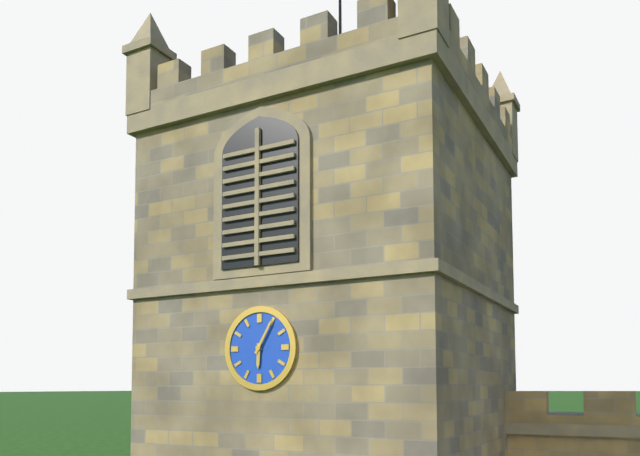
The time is h=6 m=5
